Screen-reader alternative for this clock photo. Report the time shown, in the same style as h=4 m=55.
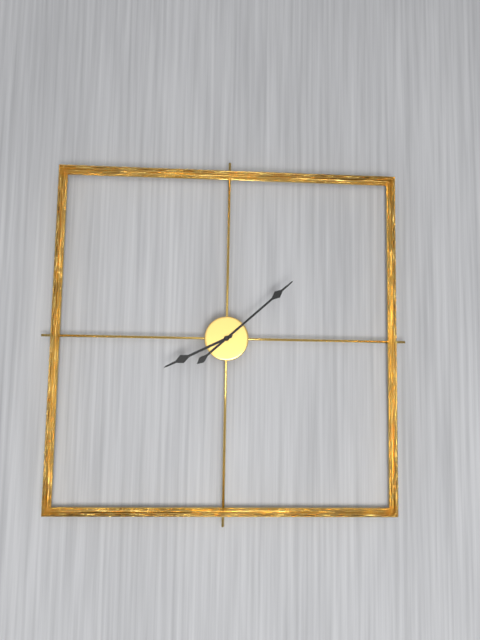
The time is h=8 m=8
